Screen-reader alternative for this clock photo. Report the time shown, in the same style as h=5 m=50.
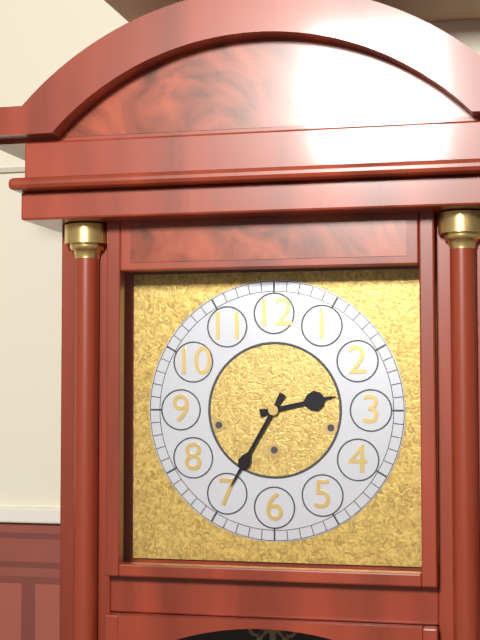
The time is h=2 m=35
